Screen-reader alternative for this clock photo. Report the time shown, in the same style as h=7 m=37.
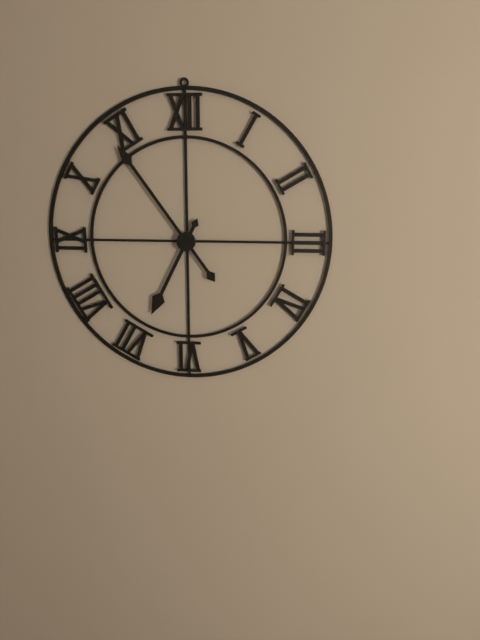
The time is h=6 m=54
